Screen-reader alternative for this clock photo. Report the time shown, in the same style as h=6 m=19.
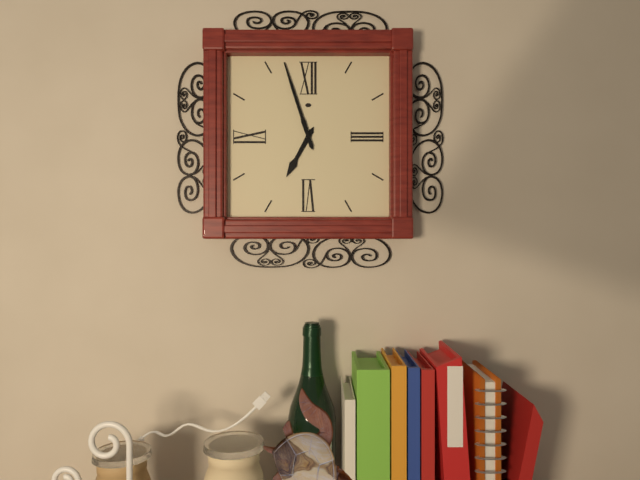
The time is h=6 m=57
